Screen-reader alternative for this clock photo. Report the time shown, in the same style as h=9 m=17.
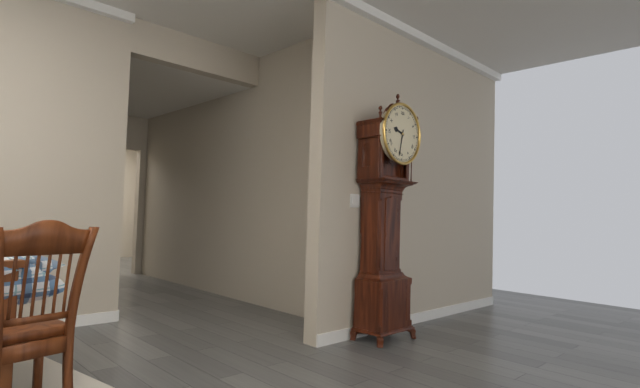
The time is h=9 m=32
